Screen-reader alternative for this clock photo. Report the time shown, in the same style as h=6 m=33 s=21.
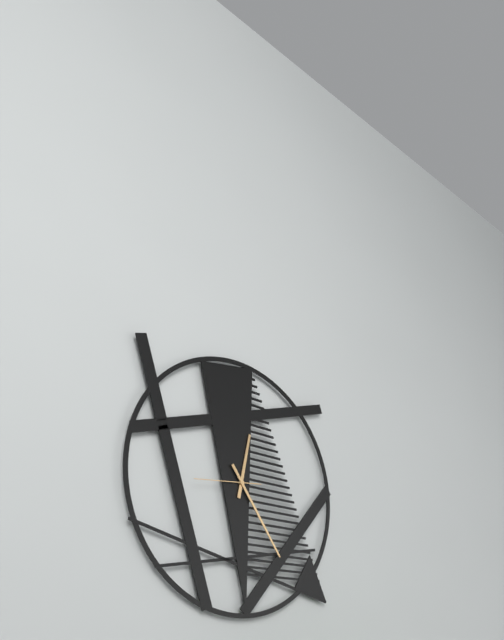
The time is h=12 m=24 s=44
